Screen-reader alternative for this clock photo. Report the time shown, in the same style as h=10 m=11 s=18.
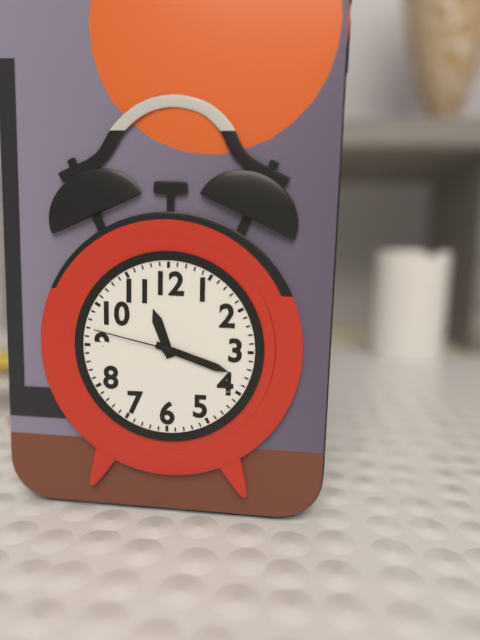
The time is h=11 m=18 s=47
